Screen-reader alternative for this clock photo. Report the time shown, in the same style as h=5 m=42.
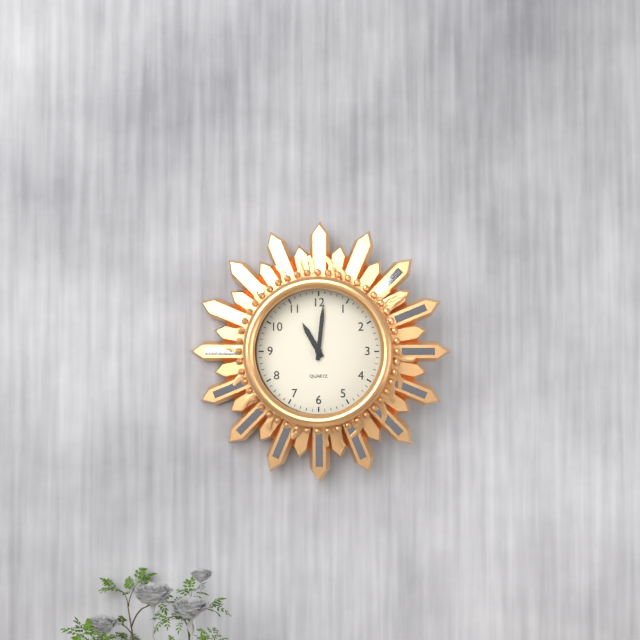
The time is h=11 m=1
